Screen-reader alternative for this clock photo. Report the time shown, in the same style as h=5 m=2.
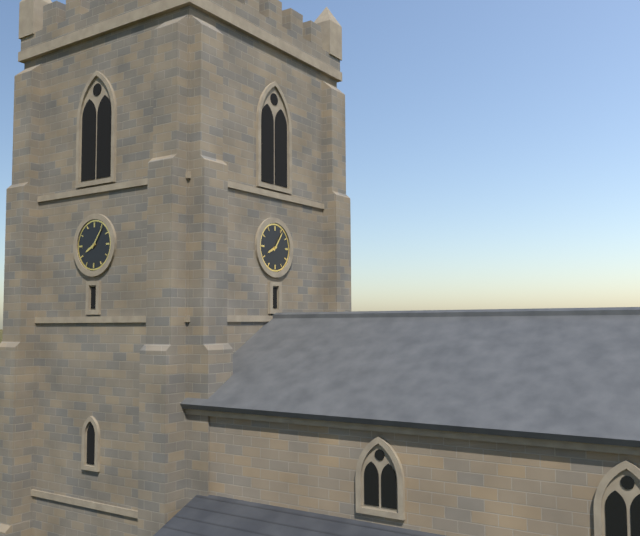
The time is h=8 m=6
